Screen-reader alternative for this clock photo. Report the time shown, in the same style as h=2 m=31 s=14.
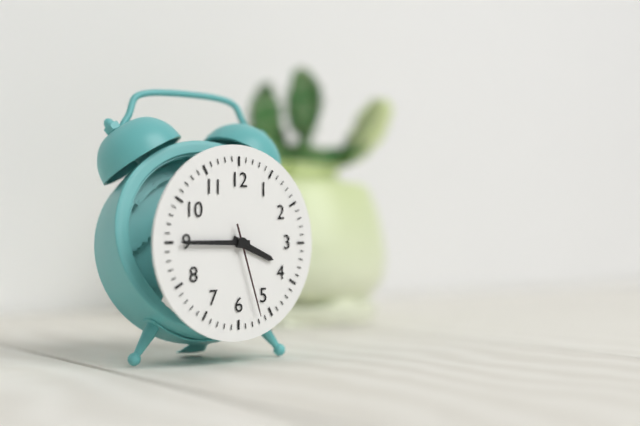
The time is h=3 m=45 s=27
